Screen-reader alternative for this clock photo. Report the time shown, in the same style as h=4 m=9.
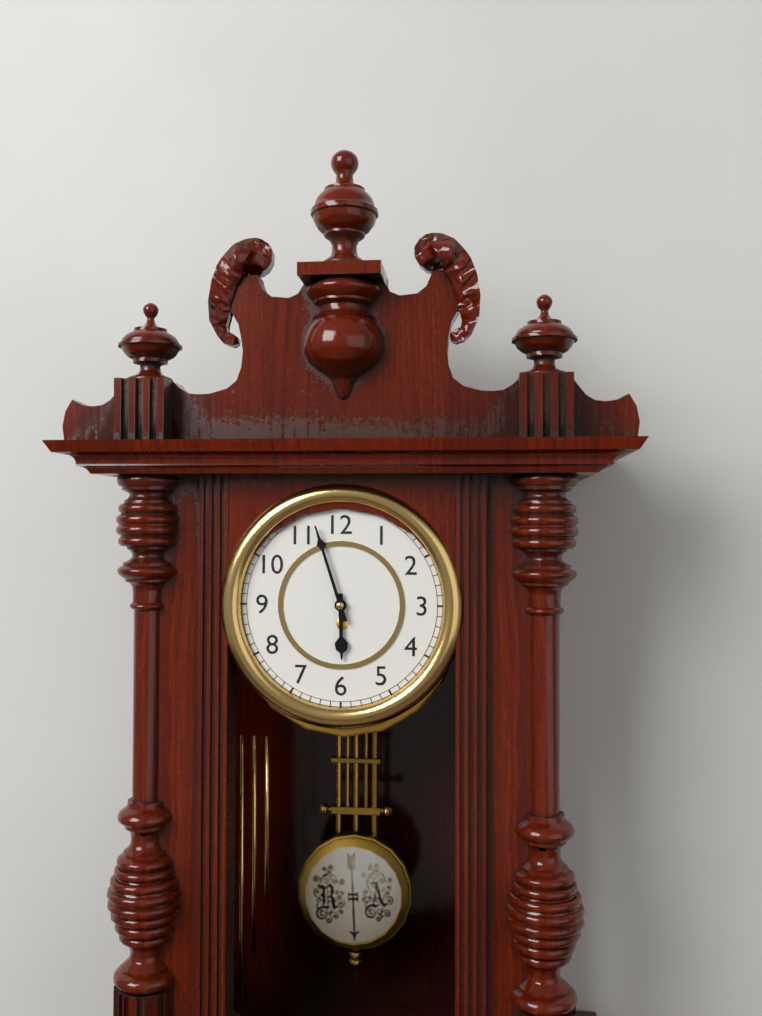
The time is h=5 m=57
